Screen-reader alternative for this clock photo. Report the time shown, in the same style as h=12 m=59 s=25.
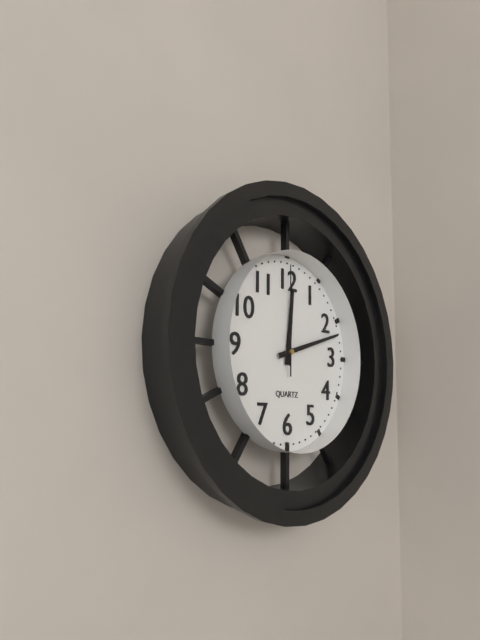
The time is h=12 m=12 s=0
